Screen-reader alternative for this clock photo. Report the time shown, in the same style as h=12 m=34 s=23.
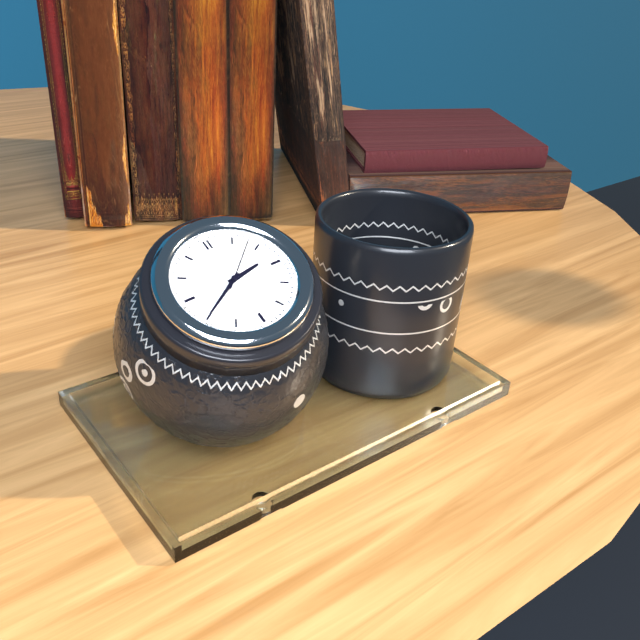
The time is h=2 m=40 s=8
